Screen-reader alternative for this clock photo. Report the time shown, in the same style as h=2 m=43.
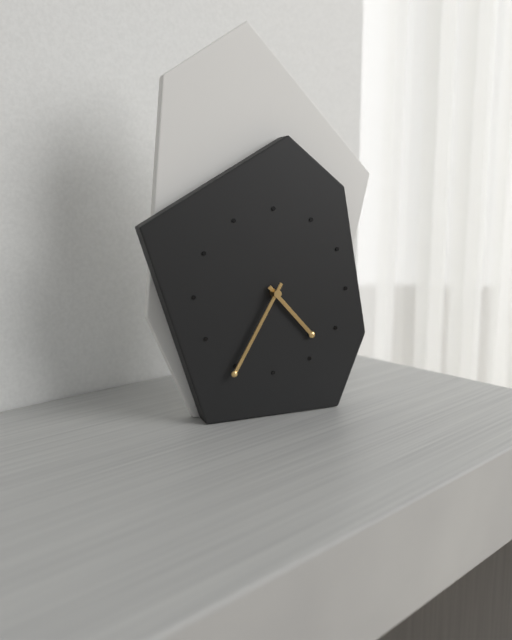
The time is h=4 m=35
